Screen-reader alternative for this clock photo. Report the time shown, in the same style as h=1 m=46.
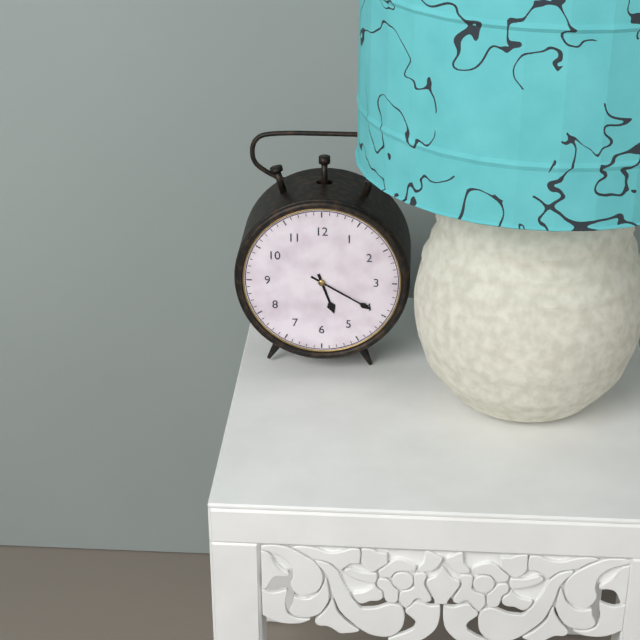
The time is h=5 m=20
